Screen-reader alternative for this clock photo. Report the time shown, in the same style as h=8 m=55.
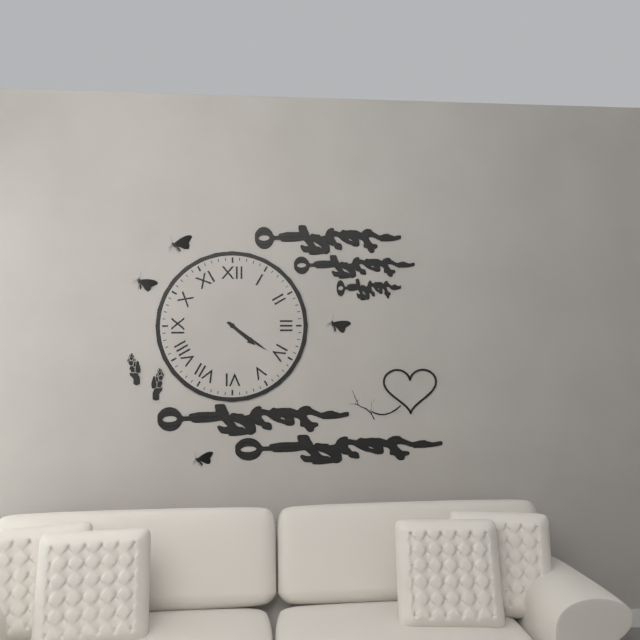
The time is h=4 m=21
